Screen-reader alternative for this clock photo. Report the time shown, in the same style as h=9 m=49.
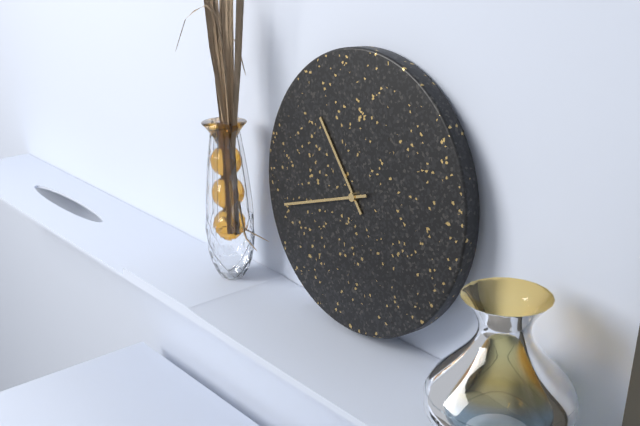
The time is h=10 m=42
